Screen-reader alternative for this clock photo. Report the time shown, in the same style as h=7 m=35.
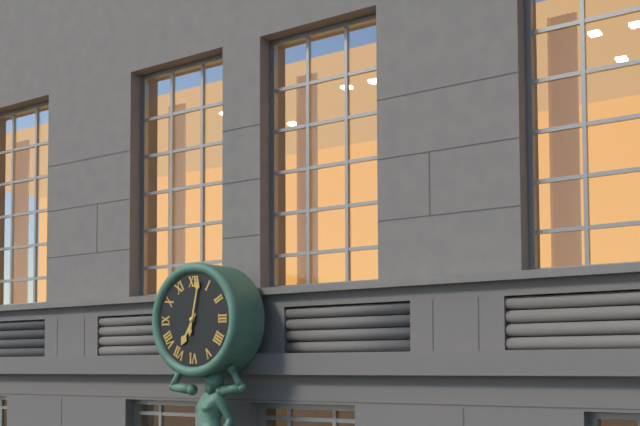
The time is h=7 m=2
